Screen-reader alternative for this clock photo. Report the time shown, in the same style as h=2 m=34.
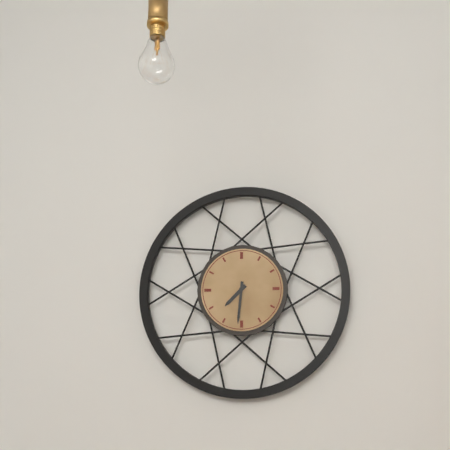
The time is h=7 m=31
